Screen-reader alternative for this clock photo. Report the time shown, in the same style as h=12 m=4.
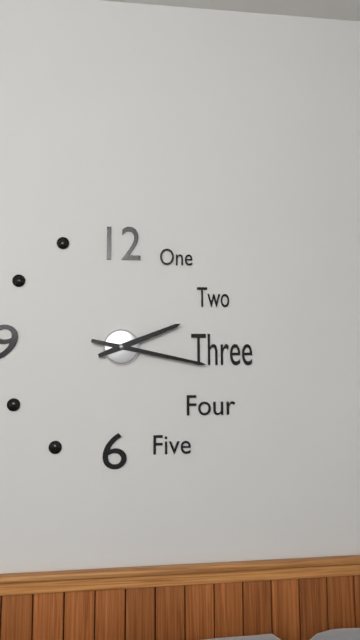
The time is h=2 m=17
